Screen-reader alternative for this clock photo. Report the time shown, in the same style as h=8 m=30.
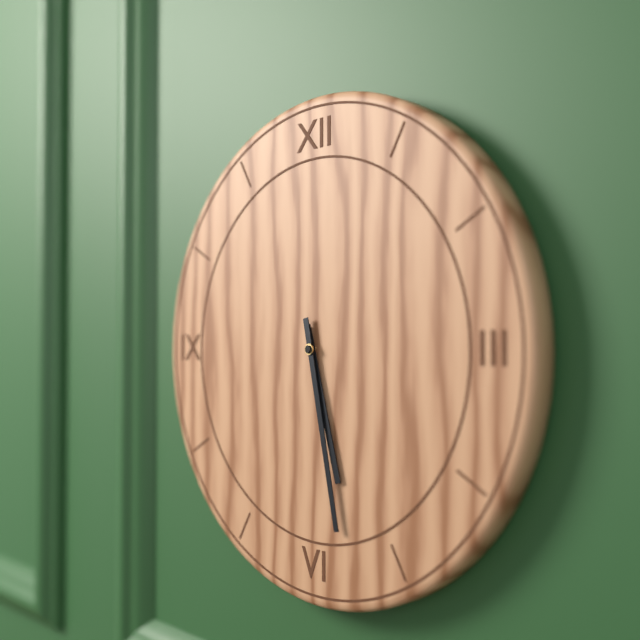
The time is h=5 m=28
